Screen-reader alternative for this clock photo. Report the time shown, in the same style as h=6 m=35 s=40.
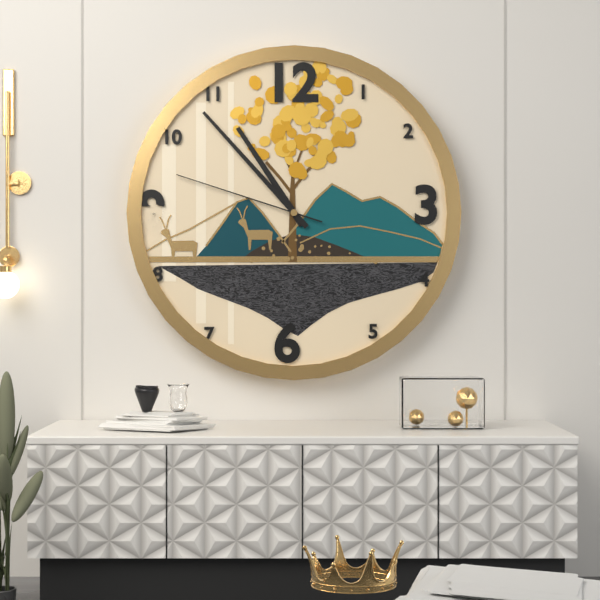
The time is h=10 m=53 s=48
